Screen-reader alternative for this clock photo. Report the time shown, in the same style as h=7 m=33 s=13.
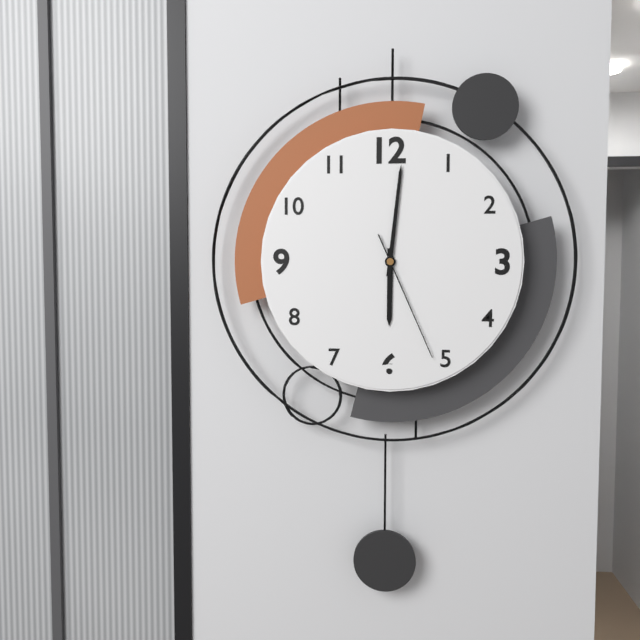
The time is h=6 m=1 s=26
